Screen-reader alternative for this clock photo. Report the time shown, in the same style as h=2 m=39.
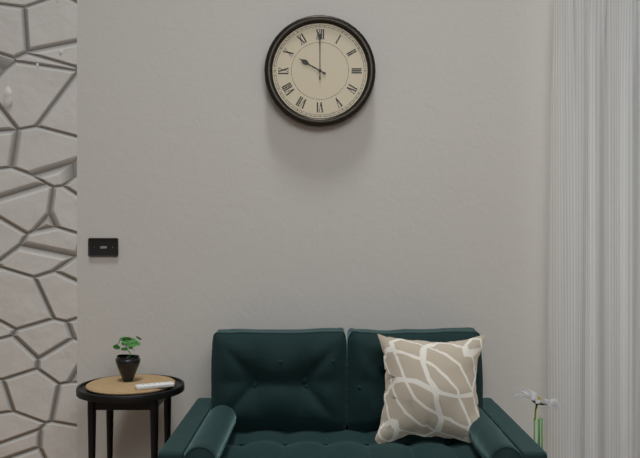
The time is h=10 m=0
